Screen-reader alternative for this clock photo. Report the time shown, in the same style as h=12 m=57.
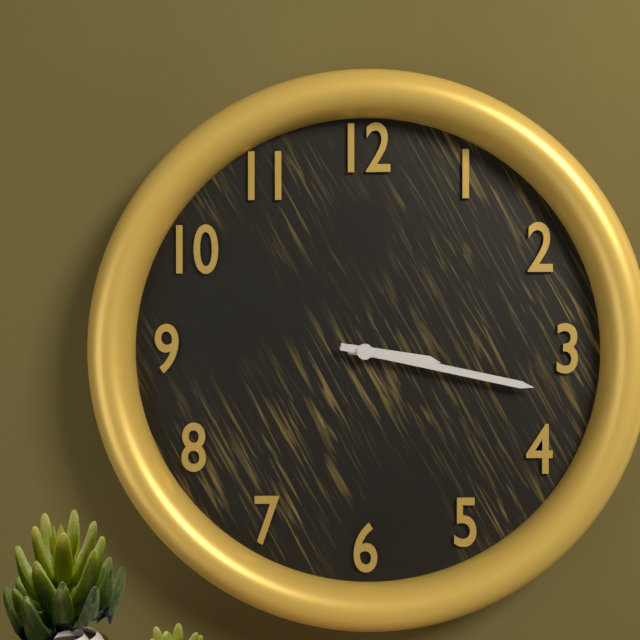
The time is h=3 m=17
